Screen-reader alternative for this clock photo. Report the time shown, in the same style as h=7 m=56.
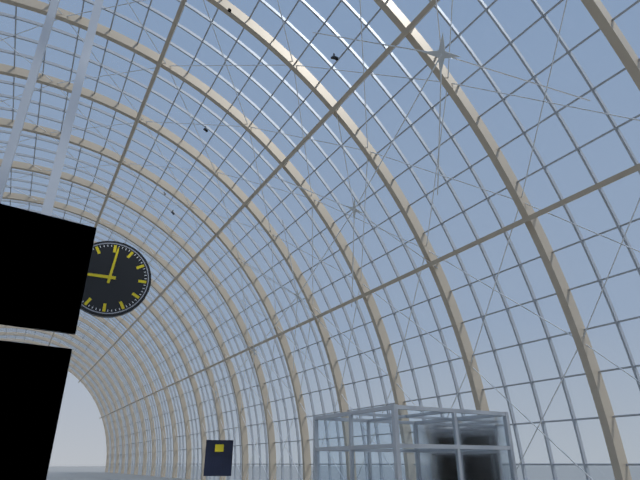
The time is h=9 m=1
